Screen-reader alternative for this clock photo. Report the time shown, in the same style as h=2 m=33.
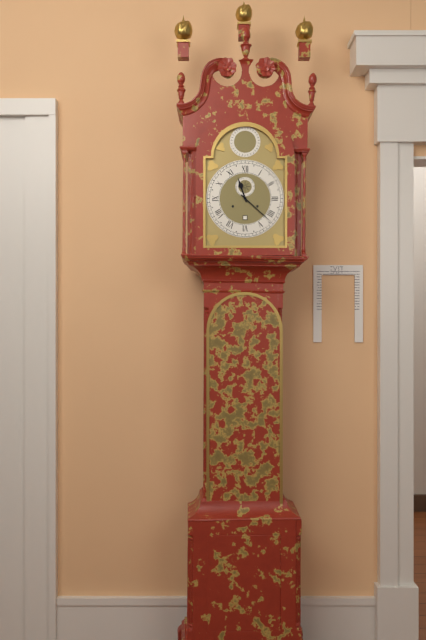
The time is h=11 m=22
